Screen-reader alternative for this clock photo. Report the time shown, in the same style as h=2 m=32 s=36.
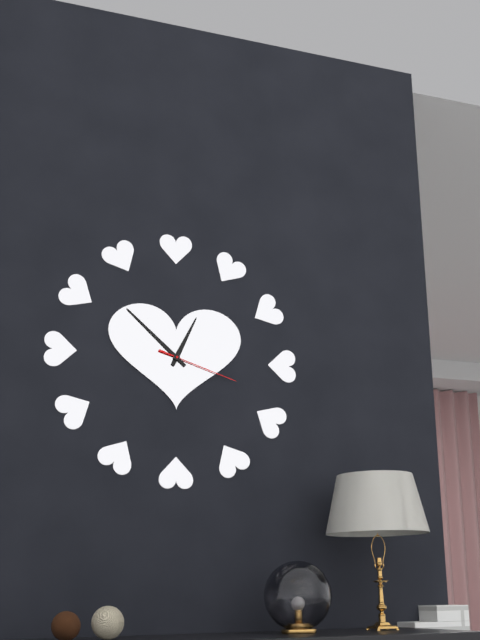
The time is h=12 m=52 s=18
